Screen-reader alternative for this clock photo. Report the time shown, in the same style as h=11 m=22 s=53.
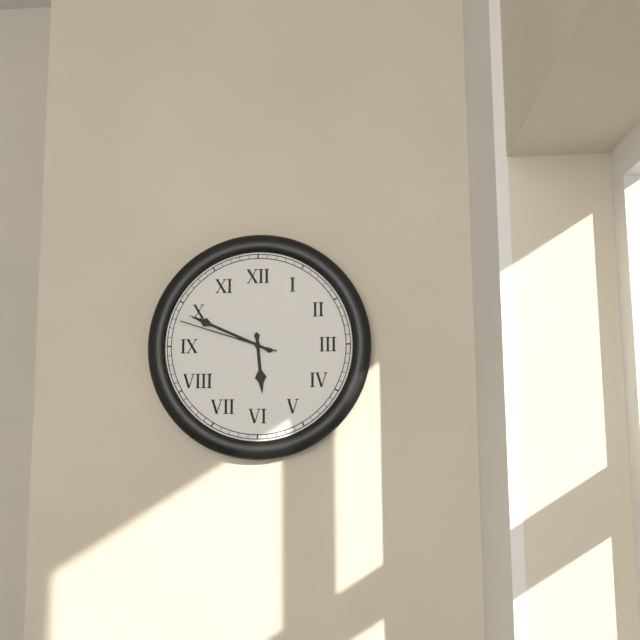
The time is h=5 m=49 s=48
